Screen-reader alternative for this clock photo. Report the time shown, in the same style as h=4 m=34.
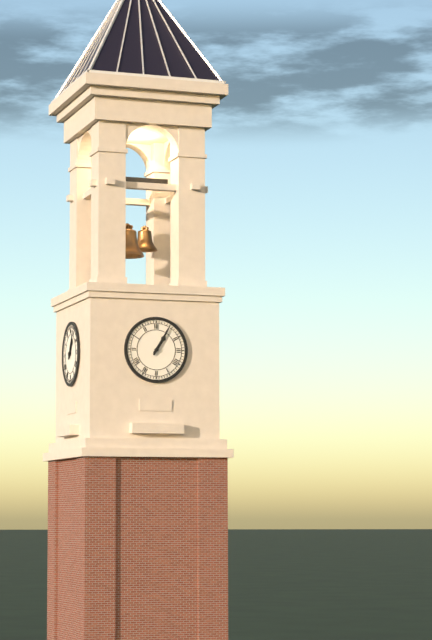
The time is h=1 m=5
